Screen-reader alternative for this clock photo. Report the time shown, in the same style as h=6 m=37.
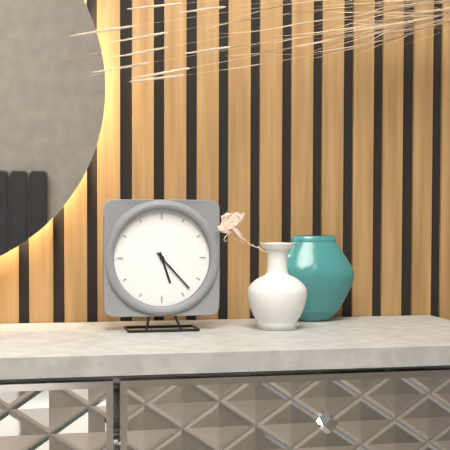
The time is h=5 m=23
